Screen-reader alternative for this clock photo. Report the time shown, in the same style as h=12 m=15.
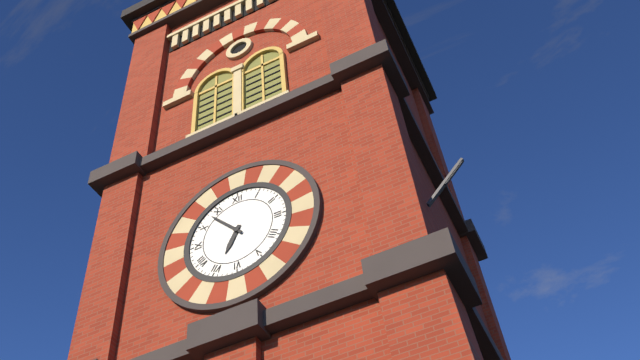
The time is h=6 m=53
